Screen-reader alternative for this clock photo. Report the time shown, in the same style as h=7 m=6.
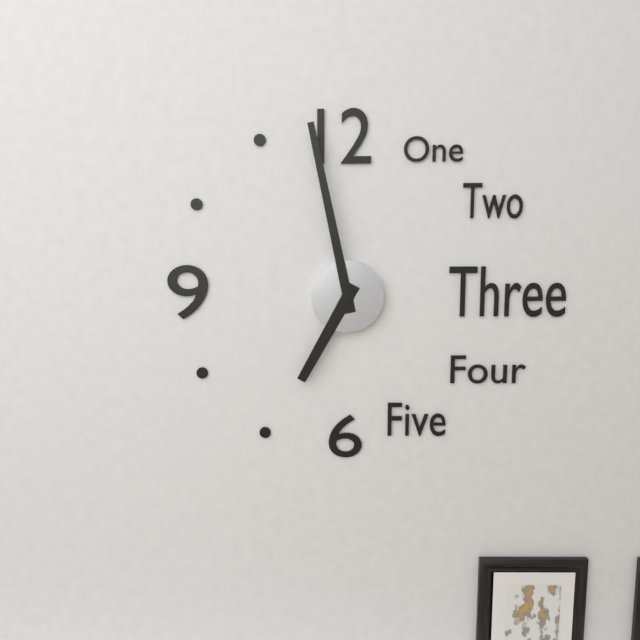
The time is h=6 m=58
